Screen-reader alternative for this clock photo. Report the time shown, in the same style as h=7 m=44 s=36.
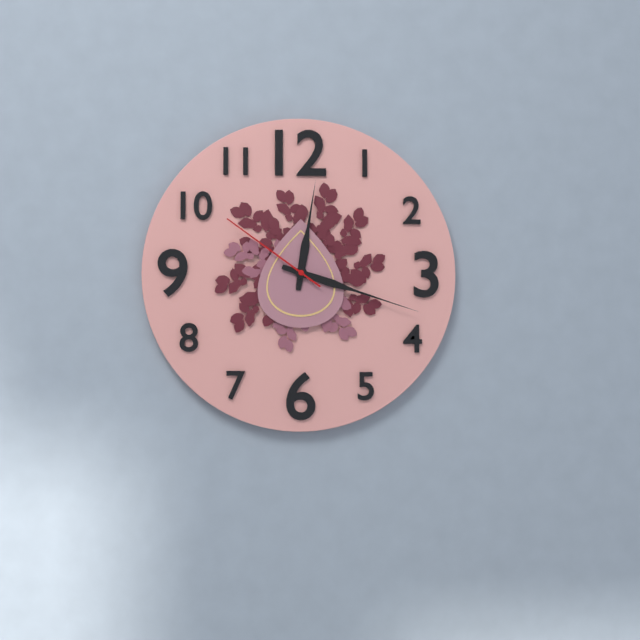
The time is h=12 m=18 s=51
